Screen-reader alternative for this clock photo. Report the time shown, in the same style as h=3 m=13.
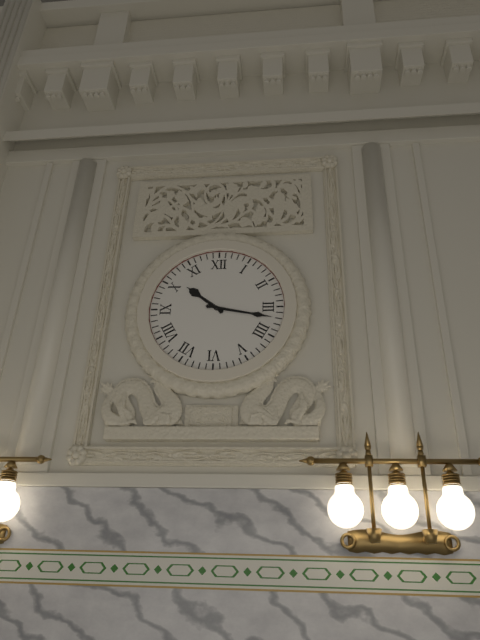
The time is h=10 m=17
